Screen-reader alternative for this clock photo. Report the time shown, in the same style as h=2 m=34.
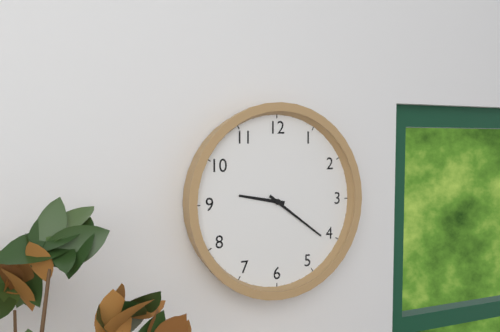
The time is h=9 m=21
